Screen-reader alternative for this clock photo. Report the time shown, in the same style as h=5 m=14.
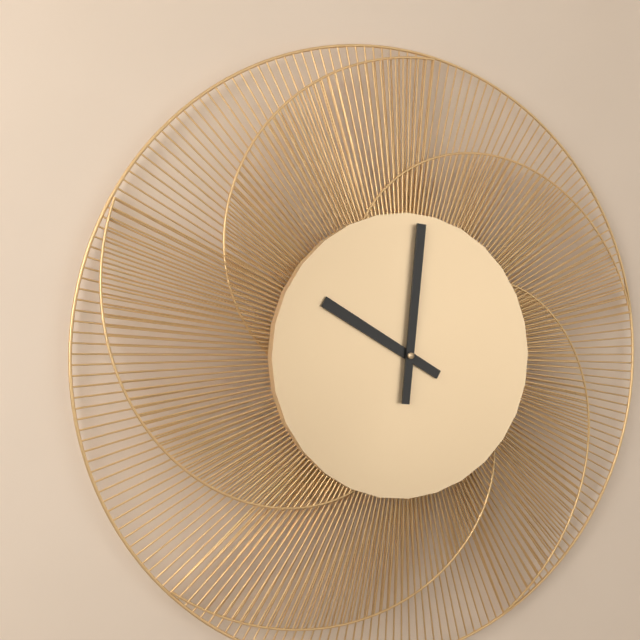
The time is h=10 m=1
